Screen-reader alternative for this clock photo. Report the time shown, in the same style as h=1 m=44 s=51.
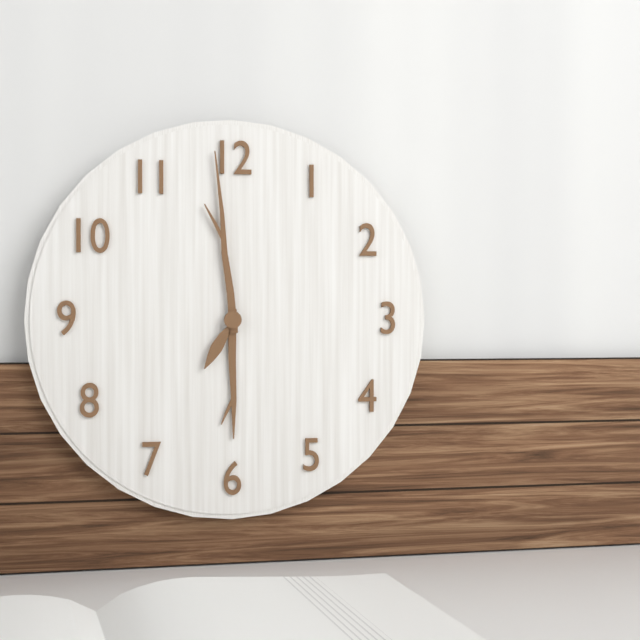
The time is h=5 m=59 s=35
